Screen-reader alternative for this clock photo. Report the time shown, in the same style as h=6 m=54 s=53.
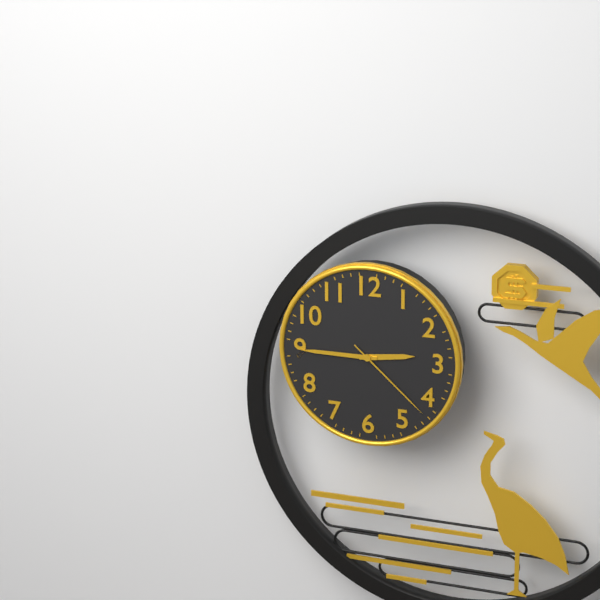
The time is h=2 m=45 s=22
